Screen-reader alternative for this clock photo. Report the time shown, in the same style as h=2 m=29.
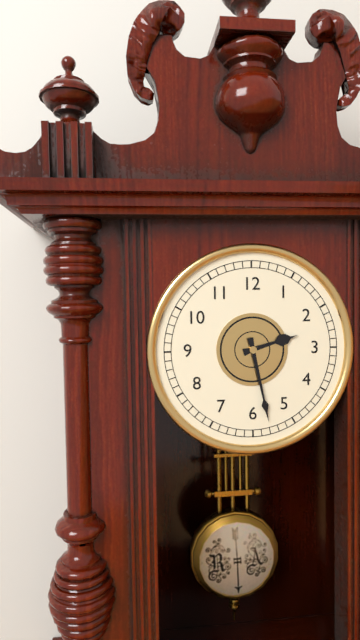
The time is h=2 m=28
